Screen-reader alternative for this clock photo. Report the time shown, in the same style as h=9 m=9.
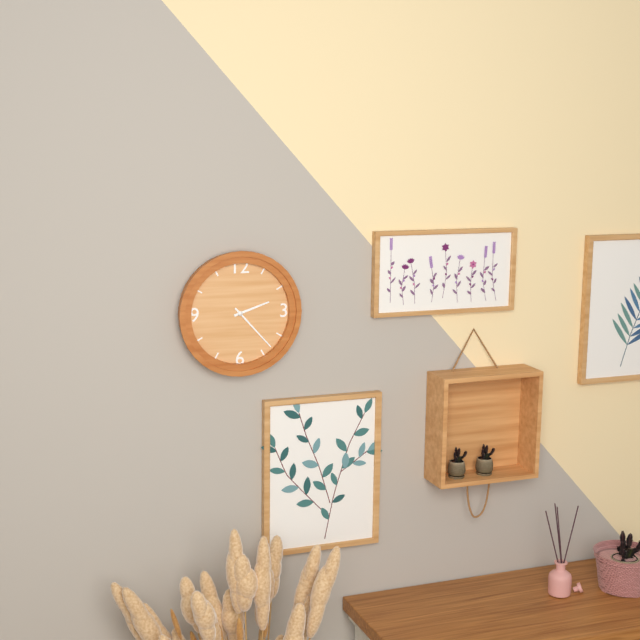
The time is h=2 m=23
